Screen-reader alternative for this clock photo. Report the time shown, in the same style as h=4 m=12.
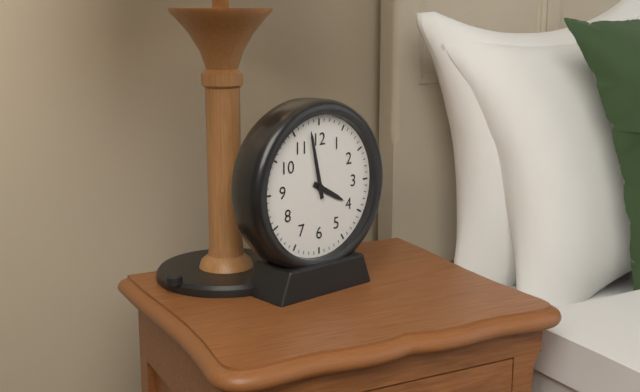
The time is h=3 m=58
